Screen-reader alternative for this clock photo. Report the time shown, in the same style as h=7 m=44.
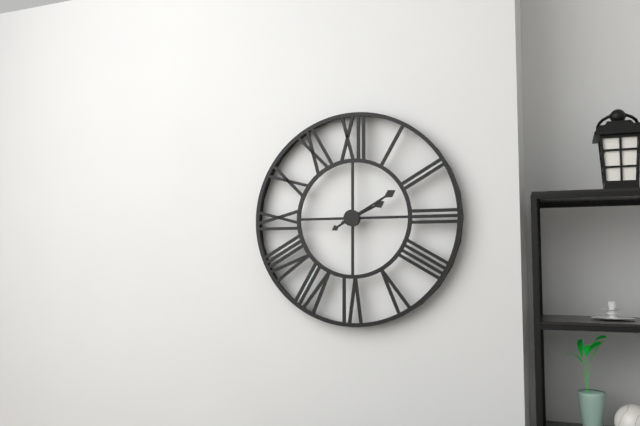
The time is h=2 m=10
